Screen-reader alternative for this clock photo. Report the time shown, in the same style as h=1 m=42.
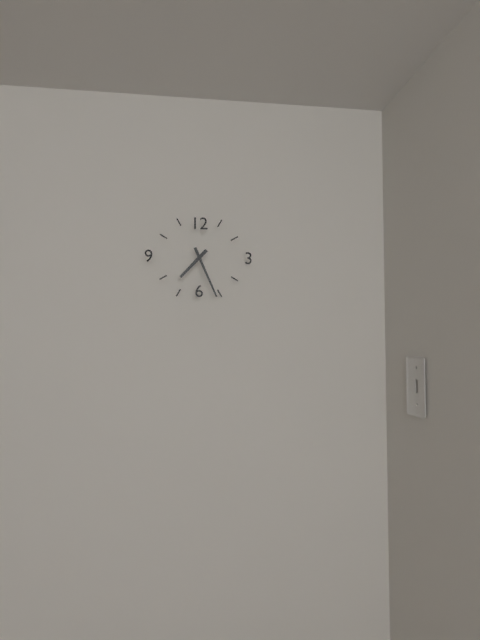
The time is h=7 m=26
